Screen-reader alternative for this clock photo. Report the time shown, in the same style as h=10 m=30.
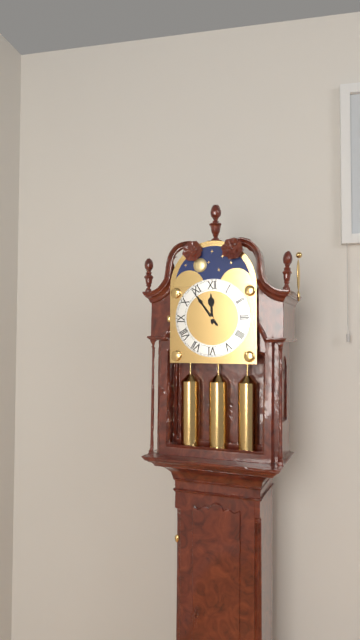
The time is h=11 m=54
